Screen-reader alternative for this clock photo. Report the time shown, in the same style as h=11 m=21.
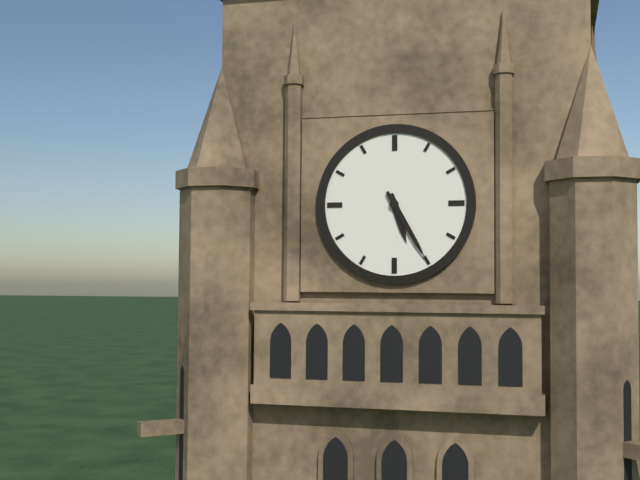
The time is h=5 m=25
